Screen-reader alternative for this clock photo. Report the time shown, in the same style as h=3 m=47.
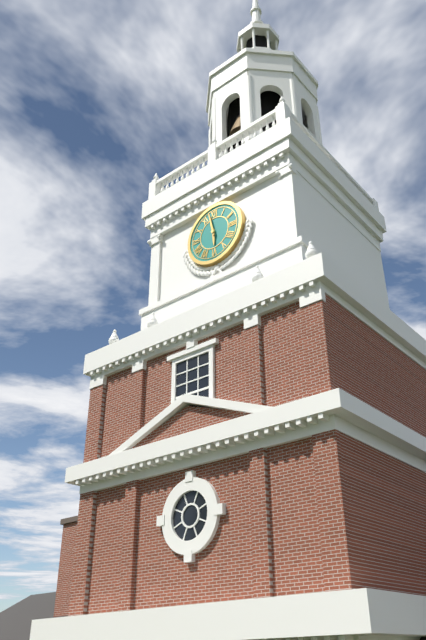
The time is h=5 m=58
